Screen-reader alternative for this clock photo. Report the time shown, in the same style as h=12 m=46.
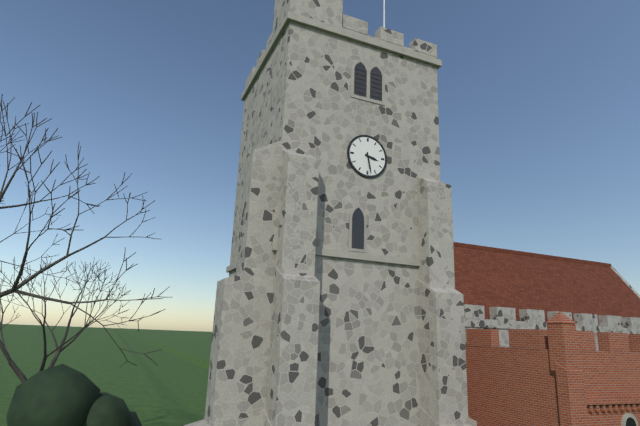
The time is h=3 m=28
